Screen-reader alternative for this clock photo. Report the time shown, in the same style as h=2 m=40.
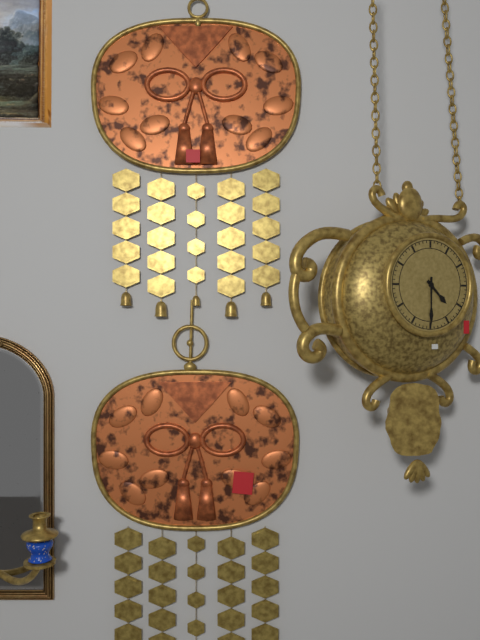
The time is h=4 m=30
